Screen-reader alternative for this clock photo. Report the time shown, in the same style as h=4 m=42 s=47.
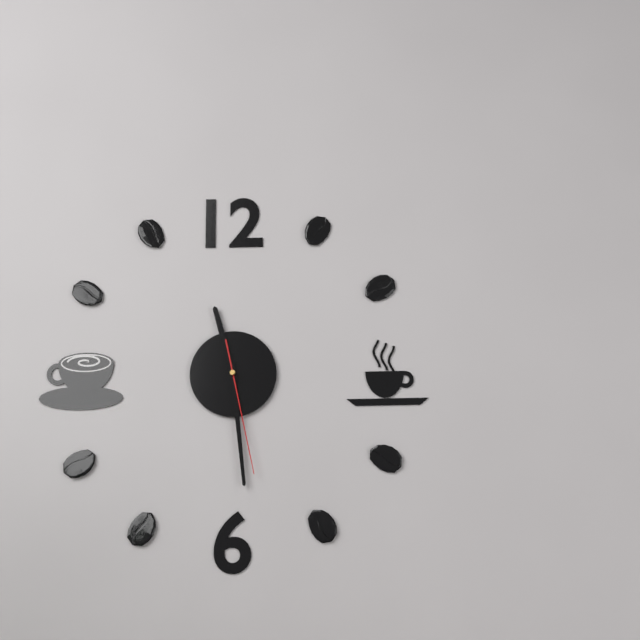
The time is h=11 m=29 s=28
